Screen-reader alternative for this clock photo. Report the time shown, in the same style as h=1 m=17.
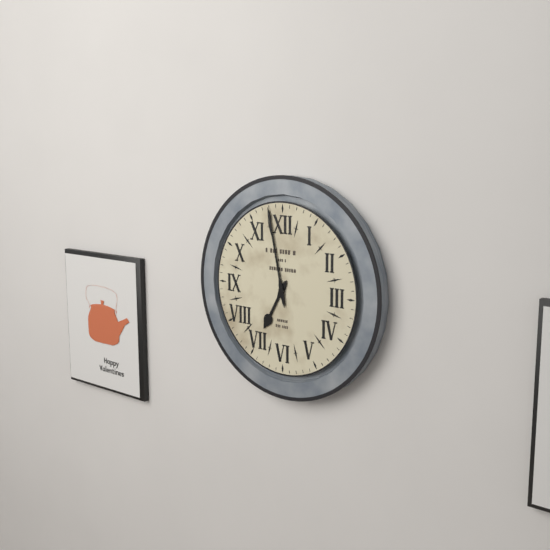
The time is h=6 m=58
